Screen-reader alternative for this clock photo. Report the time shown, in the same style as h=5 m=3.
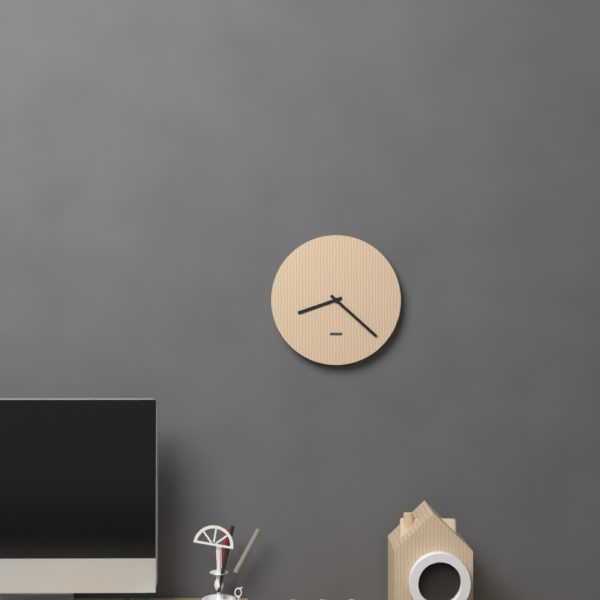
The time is h=8 m=22
